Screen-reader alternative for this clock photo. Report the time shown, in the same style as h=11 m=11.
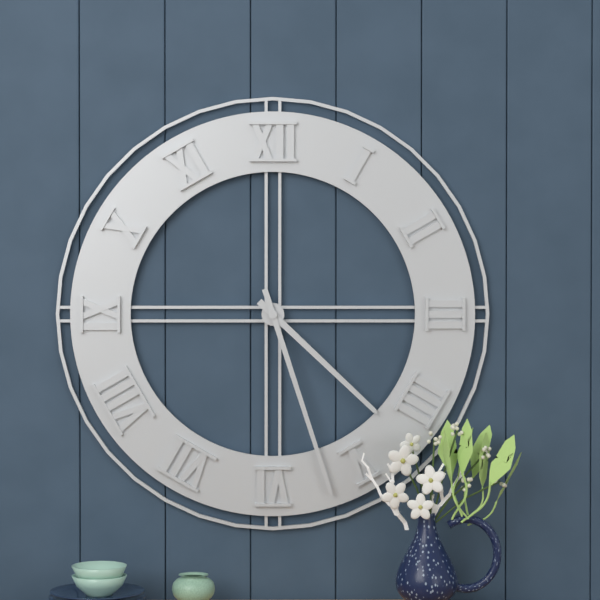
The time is h=4 m=27
